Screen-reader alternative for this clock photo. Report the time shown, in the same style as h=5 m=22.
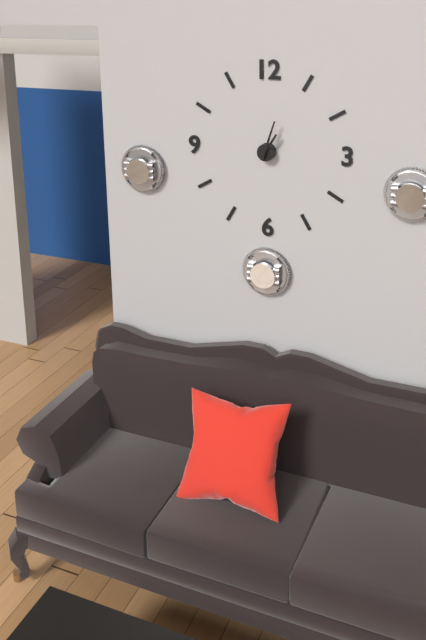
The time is h=1 m=3
